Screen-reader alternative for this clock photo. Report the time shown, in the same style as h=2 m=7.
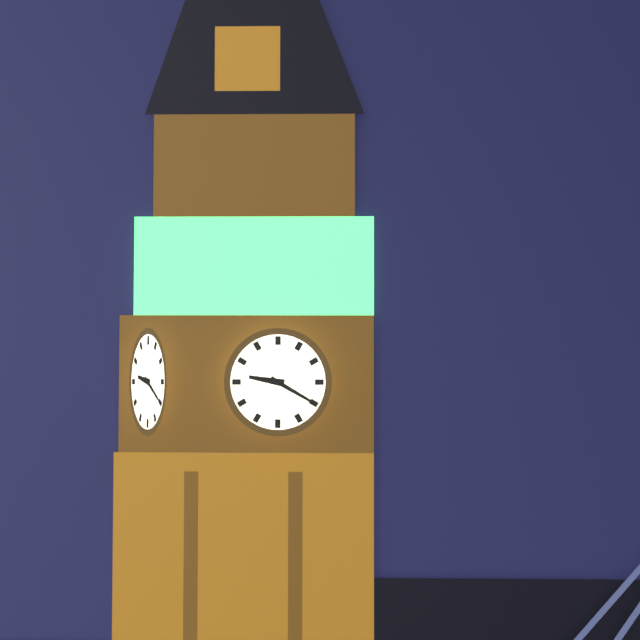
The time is h=9 m=20
